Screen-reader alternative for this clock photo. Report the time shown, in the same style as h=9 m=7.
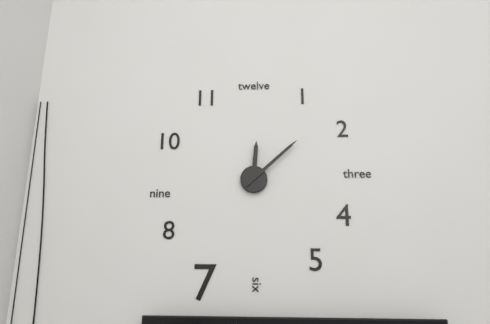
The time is h=12 m=8
